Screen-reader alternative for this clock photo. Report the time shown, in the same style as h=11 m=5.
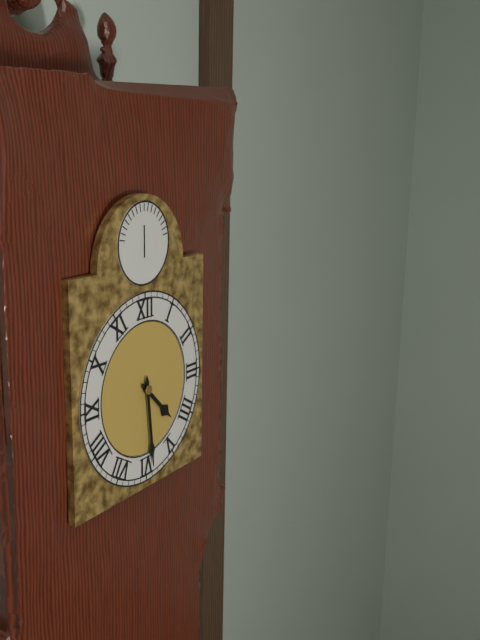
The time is h=4 m=29
